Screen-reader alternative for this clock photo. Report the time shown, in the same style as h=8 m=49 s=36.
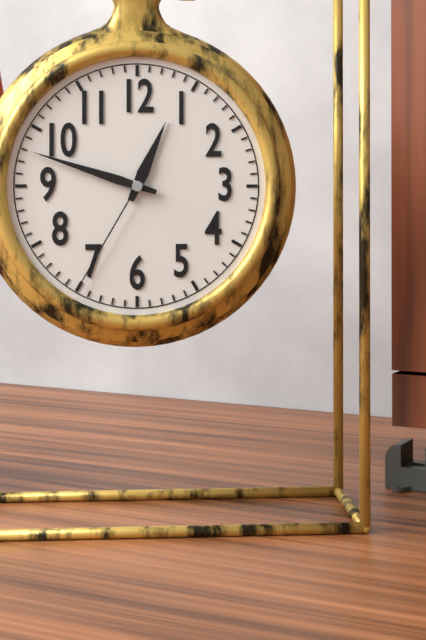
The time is h=12 m=48 s=35
